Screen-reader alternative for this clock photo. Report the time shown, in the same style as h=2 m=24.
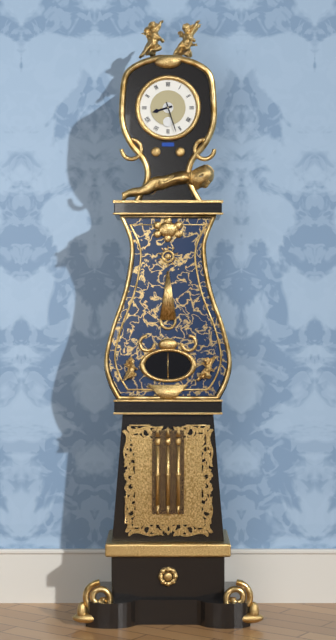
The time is h=8 m=27
